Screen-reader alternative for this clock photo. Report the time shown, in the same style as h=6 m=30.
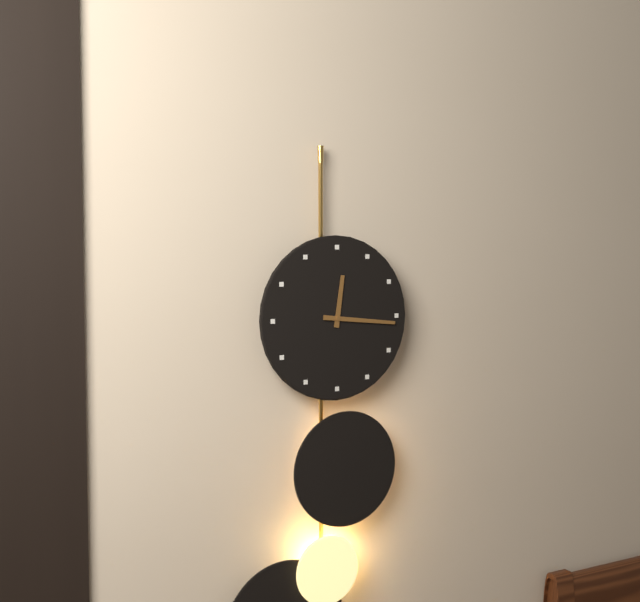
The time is h=12 m=16
